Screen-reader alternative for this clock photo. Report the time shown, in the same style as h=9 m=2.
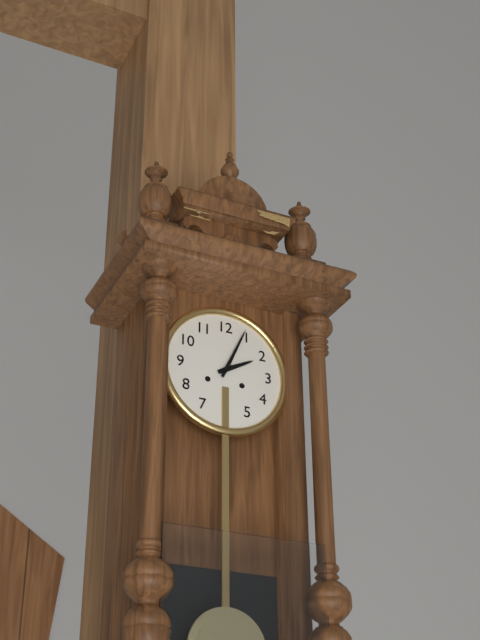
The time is h=2 m=4
